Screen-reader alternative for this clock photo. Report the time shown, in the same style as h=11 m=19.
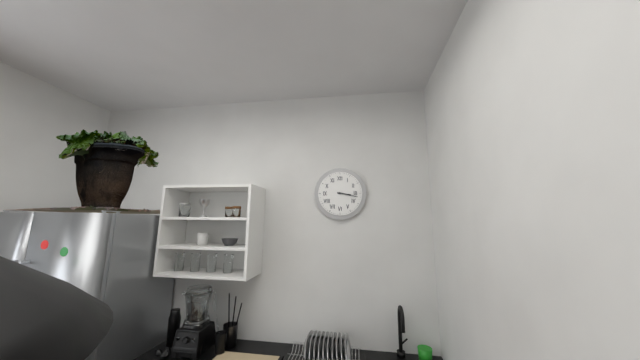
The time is h=3 m=17
